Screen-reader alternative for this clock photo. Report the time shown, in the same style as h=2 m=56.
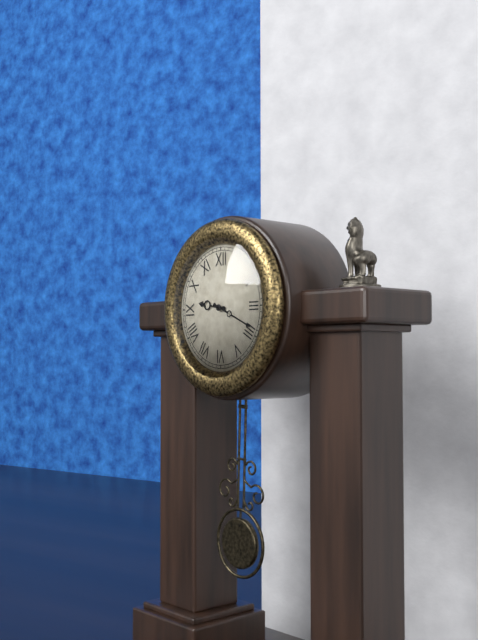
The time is h=9 m=19
